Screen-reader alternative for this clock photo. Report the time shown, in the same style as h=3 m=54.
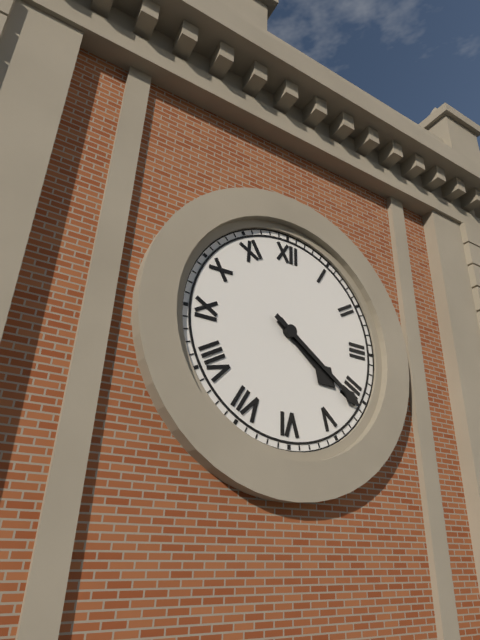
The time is h=4 m=21
